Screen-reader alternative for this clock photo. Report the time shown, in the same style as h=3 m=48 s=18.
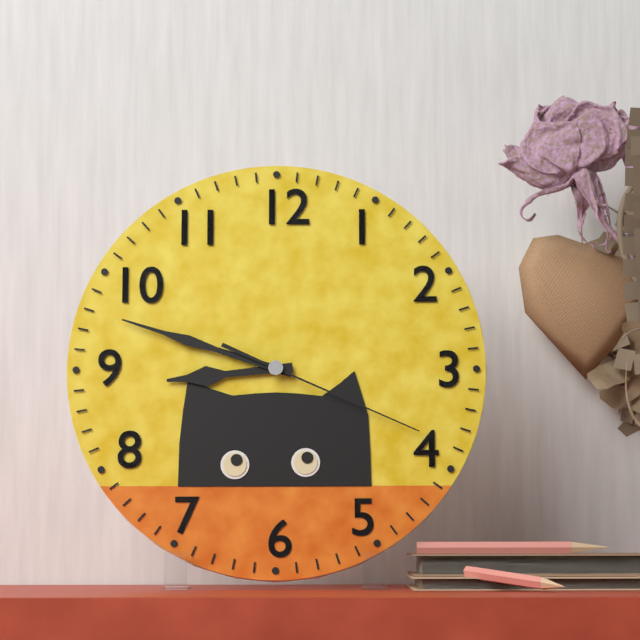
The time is h=8 m=48 s=19
